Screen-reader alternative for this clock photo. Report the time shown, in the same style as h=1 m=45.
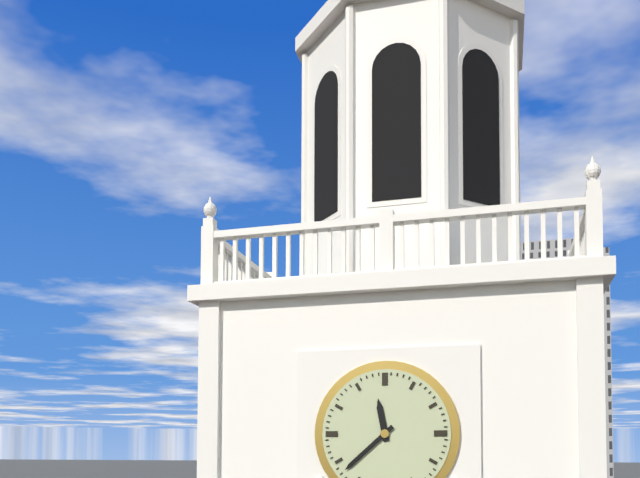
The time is h=11 m=38
